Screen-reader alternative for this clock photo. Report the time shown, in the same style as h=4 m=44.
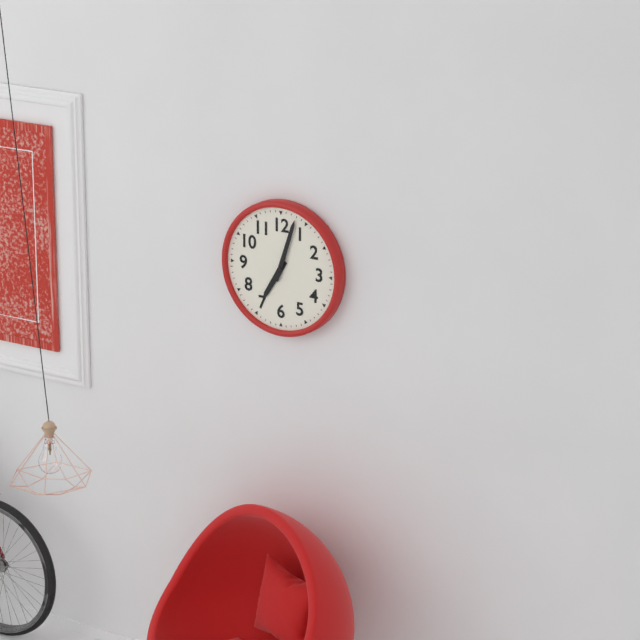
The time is h=7 m=3
